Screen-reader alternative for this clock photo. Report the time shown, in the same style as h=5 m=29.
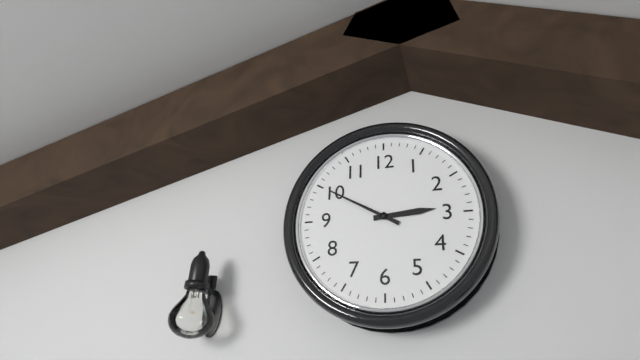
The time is h=2 m=50
